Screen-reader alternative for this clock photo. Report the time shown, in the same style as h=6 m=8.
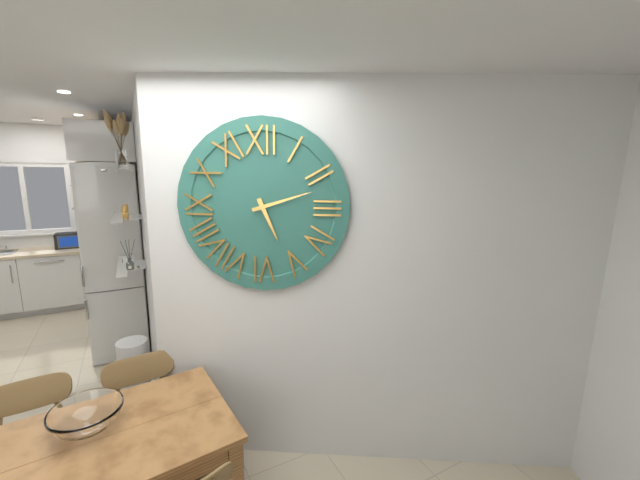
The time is h=5 m=12
